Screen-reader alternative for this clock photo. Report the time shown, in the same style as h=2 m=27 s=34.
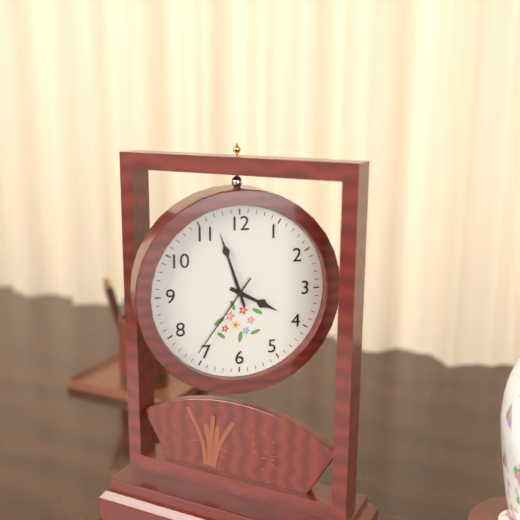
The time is h=3 m=57 s=36
